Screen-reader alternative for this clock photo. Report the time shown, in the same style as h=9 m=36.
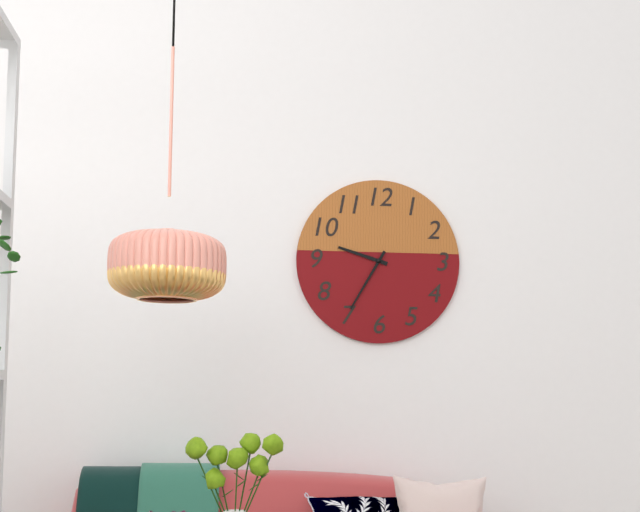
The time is h=9 m=35
